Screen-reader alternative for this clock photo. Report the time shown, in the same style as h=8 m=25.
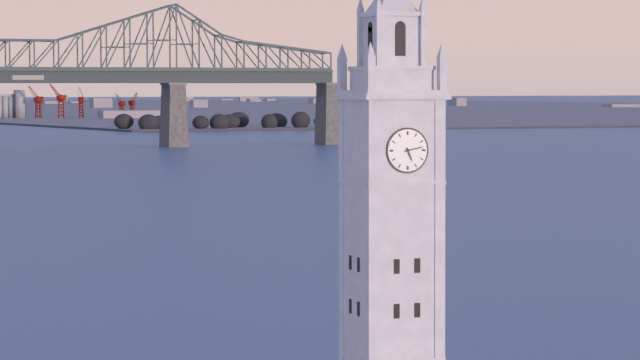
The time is h=5 m=13
